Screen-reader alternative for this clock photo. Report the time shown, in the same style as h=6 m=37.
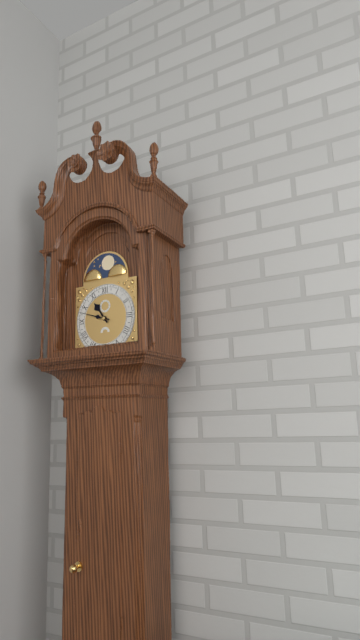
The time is h=10 m=48
